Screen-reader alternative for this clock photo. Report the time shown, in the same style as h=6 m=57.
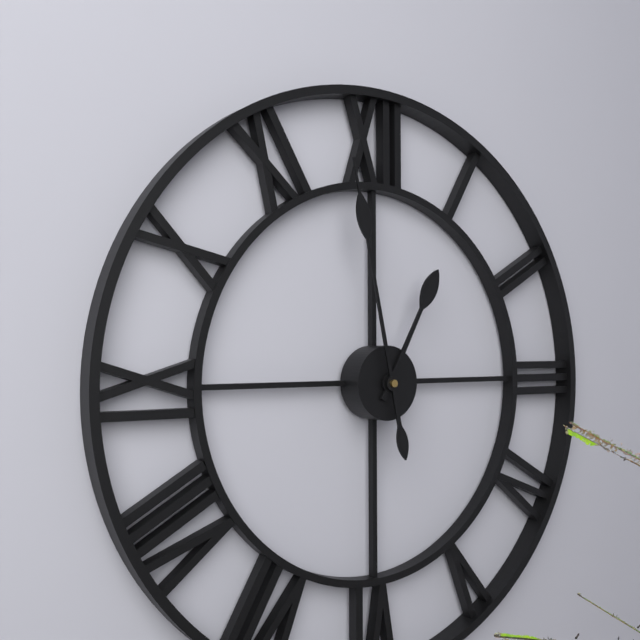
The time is h=12 m=58
